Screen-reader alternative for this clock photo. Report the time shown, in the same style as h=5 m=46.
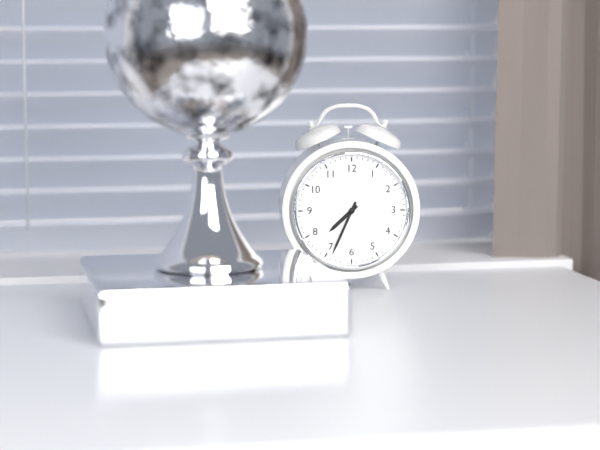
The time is h=7 m=34
